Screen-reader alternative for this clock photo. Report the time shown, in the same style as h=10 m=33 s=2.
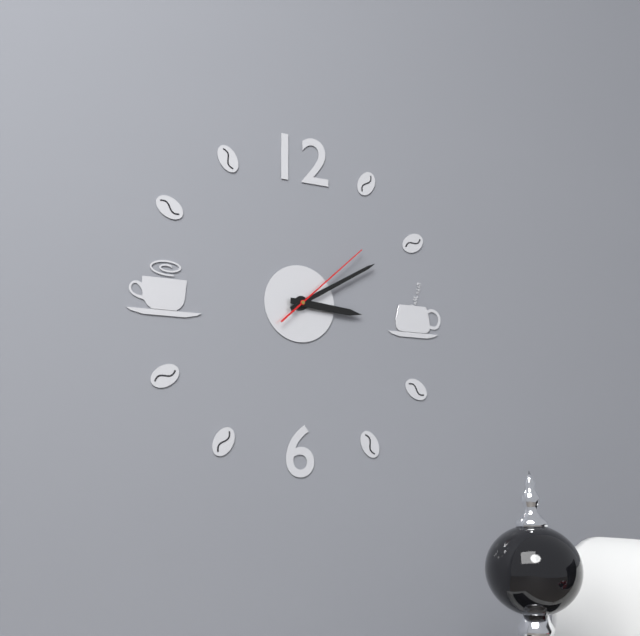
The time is h=3 m=10 s=8
